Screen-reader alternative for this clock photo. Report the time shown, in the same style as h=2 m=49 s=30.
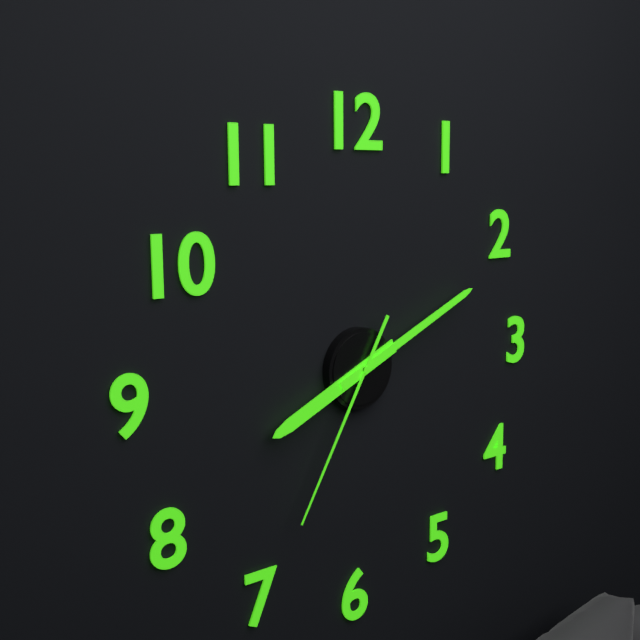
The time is h=8 m=11 s=35
